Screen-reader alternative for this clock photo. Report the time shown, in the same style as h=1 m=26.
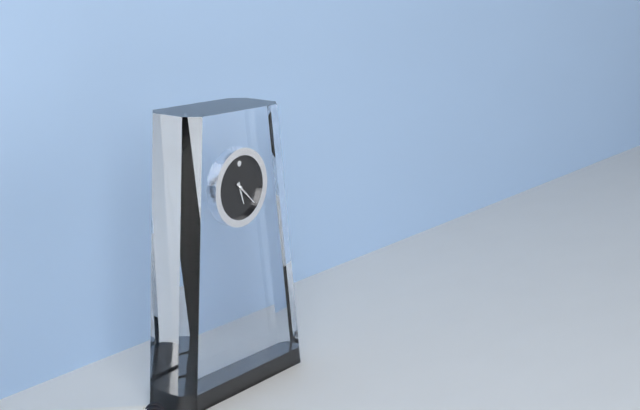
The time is h=5 m=22
